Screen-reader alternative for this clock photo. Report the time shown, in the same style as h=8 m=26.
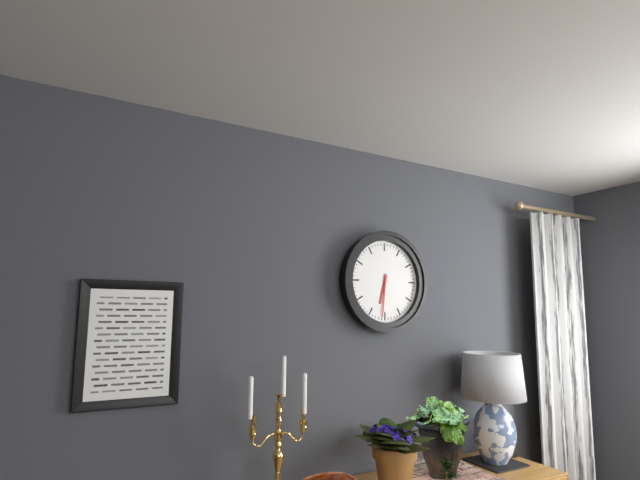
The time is h=6 m=31
